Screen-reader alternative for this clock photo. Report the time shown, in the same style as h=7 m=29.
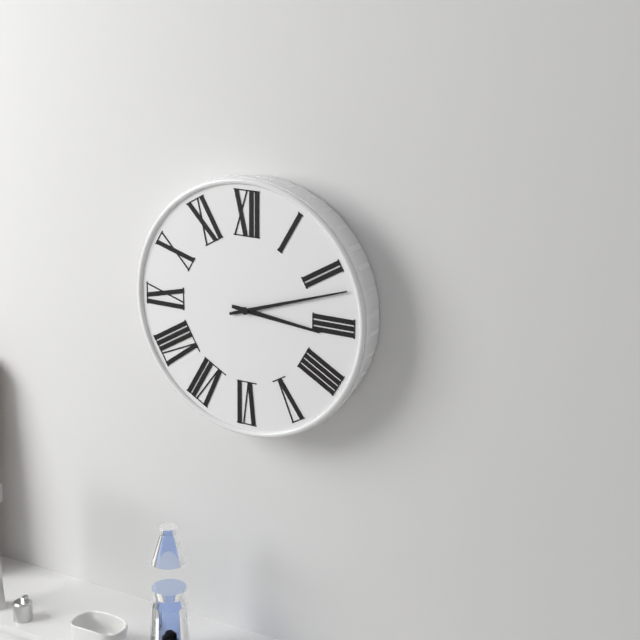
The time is h=3 m=12
